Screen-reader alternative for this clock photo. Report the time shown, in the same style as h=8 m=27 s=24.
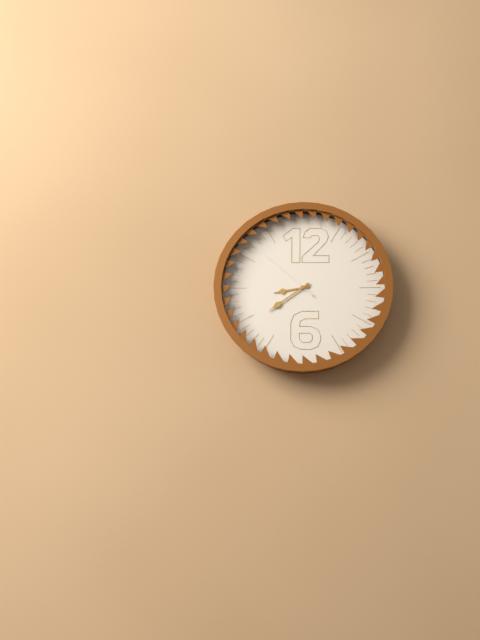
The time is h=8 m=39 s=52
